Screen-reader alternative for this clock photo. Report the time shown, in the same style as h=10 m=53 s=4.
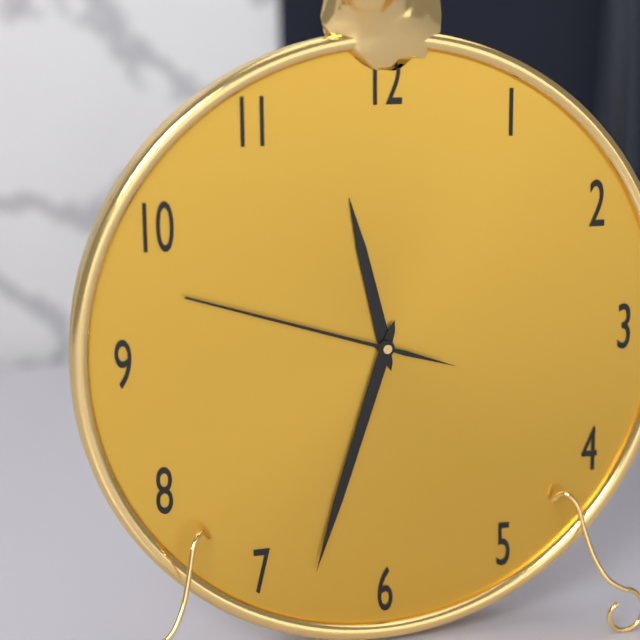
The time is h=11 m=33 s=48
